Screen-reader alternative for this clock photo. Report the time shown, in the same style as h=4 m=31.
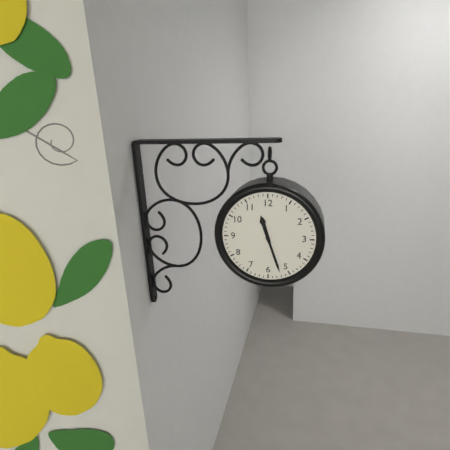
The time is h=11 m=27
